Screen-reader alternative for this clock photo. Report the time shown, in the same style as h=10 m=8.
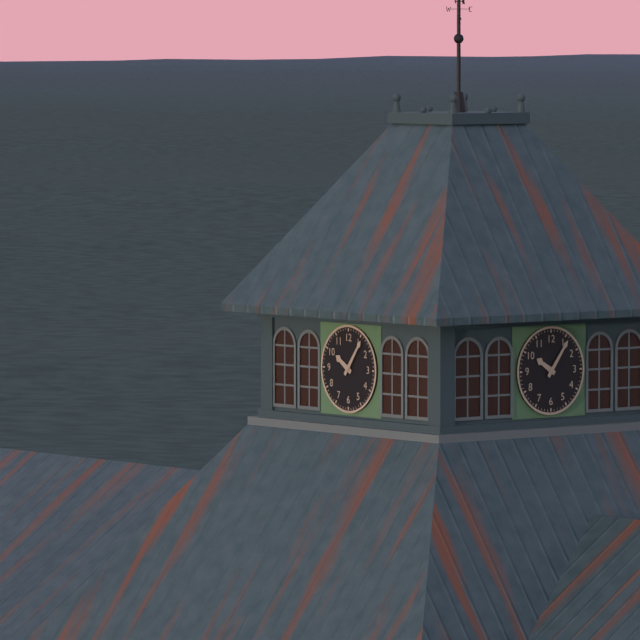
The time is h=10 m=6
